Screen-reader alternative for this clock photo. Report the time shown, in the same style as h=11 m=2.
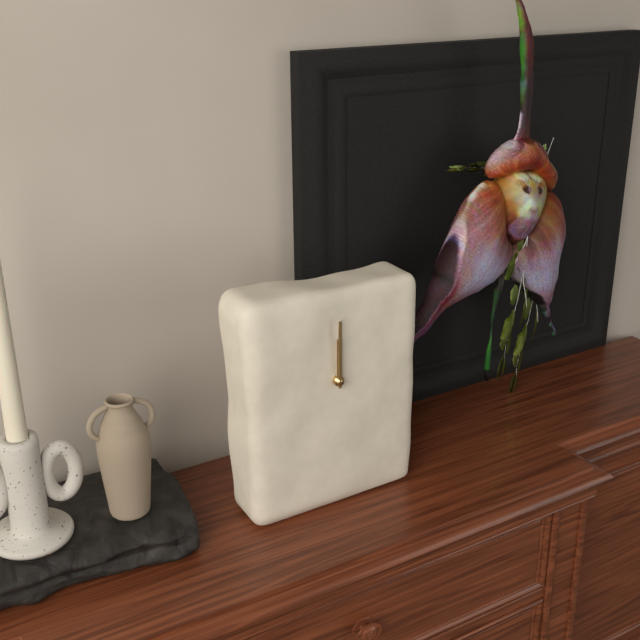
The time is h=12 m=0
